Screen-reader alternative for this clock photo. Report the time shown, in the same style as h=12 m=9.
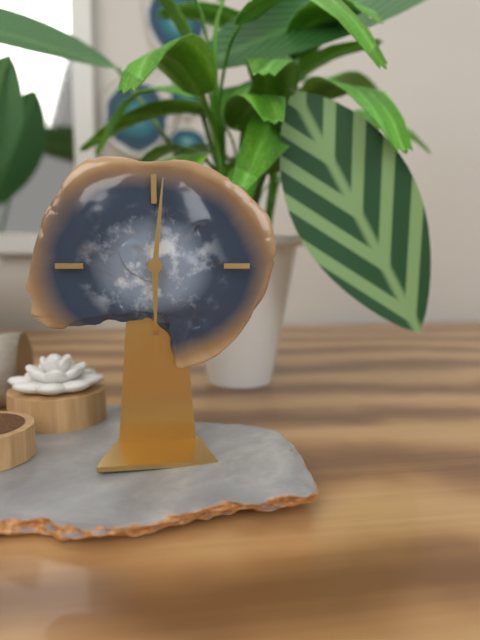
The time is h=6 m=1
